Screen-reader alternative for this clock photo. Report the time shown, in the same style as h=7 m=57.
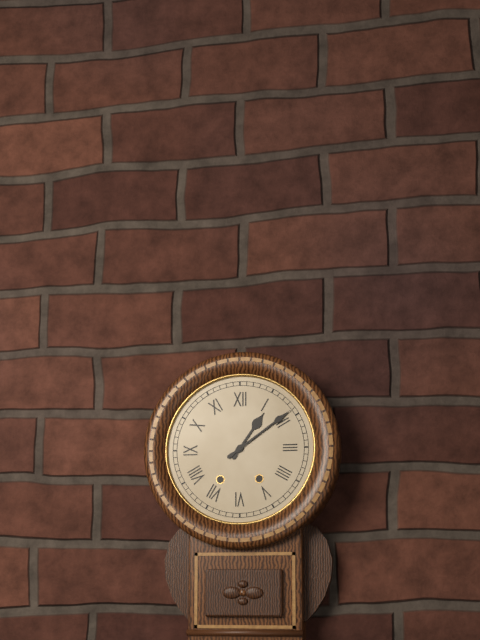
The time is h=1 m=9
